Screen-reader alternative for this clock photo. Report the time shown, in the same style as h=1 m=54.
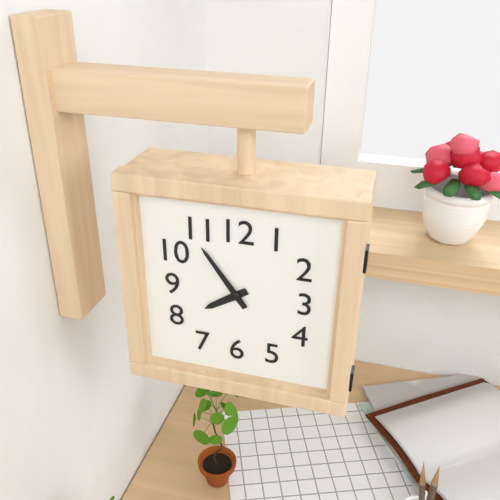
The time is h=7 m=54
